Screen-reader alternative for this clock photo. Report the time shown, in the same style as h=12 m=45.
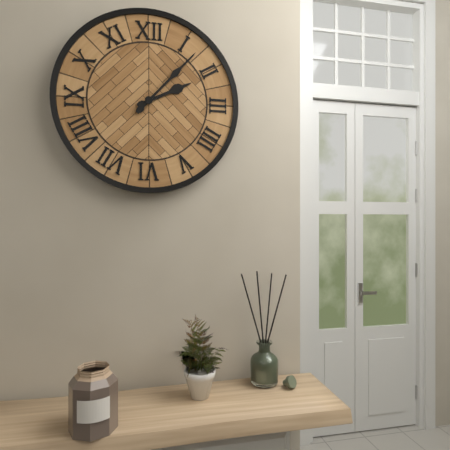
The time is h=2 m=7
